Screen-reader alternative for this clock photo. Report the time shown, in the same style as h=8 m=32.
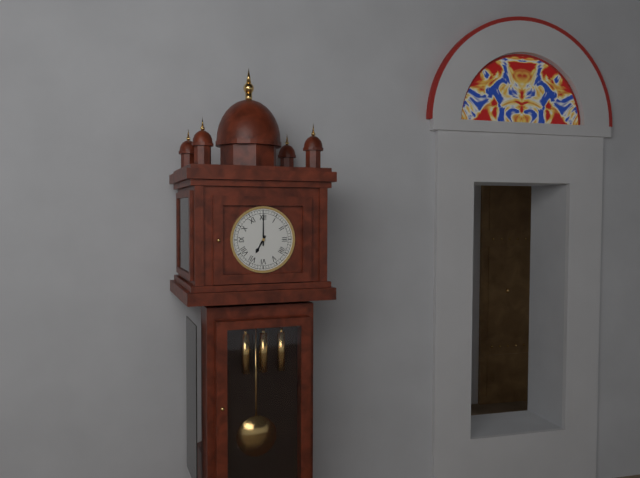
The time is h=7 m=0
